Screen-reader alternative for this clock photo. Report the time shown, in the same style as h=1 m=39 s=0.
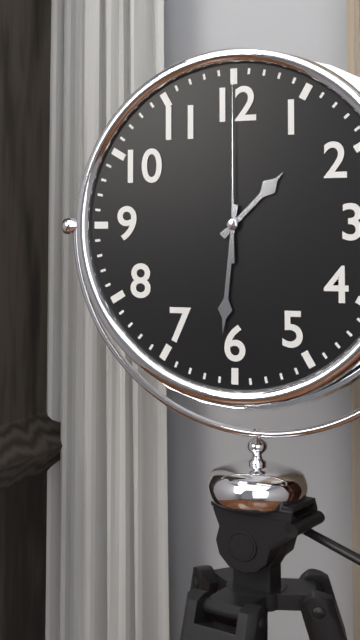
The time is h=1 m=31 s=0
